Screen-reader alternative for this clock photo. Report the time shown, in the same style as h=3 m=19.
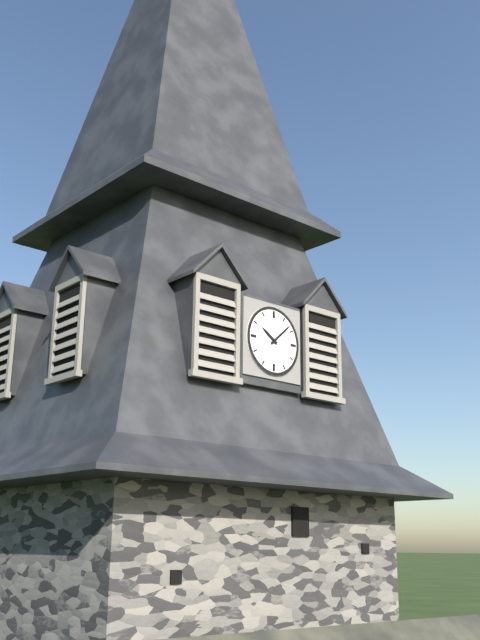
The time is h=10 m=8
